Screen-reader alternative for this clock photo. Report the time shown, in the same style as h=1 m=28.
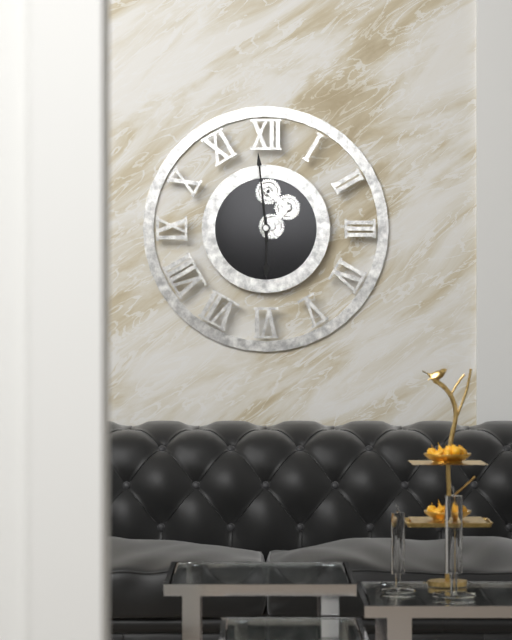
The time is h=5 m=59
